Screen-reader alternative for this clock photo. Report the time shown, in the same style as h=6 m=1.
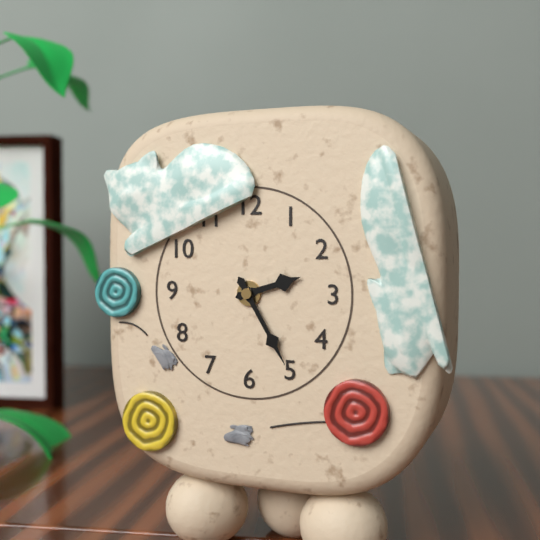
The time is h=2 m=25
